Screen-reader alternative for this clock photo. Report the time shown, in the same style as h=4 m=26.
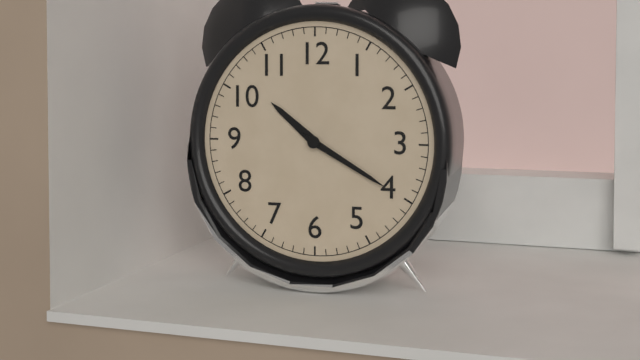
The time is h=10 m=20
